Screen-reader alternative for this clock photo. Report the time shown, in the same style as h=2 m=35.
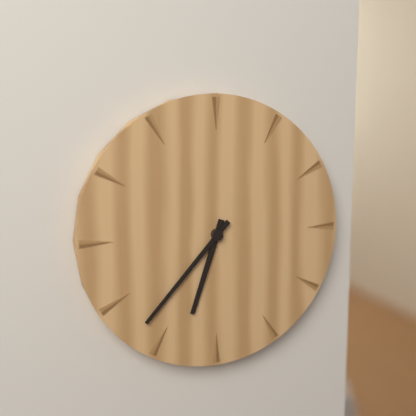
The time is h=6 m=37
